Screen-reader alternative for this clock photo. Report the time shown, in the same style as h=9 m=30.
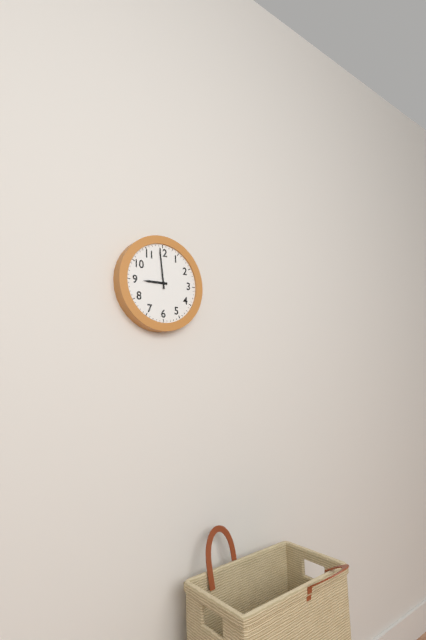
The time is h=8 m=59
